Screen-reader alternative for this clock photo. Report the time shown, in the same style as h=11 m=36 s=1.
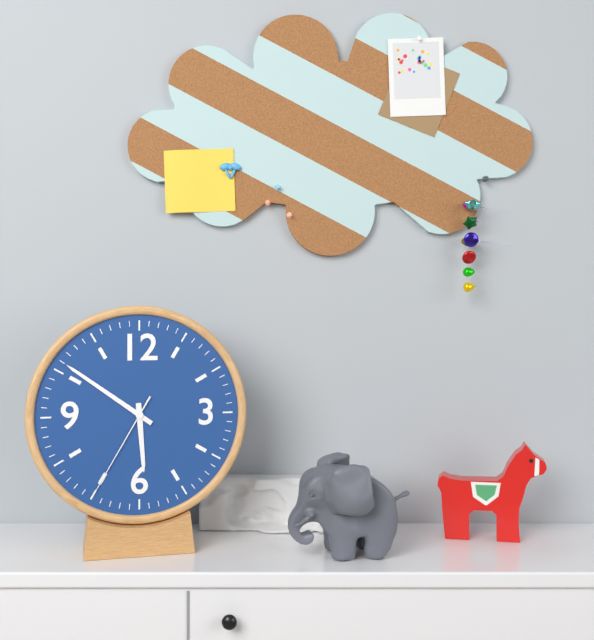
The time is h=5 m=51 s=35
